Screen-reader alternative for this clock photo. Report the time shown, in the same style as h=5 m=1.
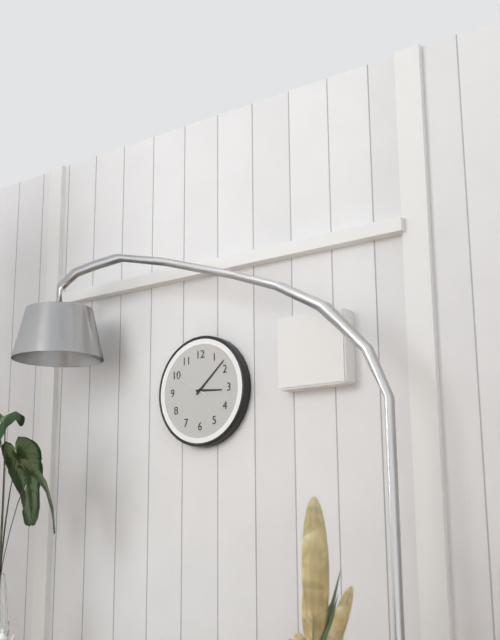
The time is h=3 m=8
